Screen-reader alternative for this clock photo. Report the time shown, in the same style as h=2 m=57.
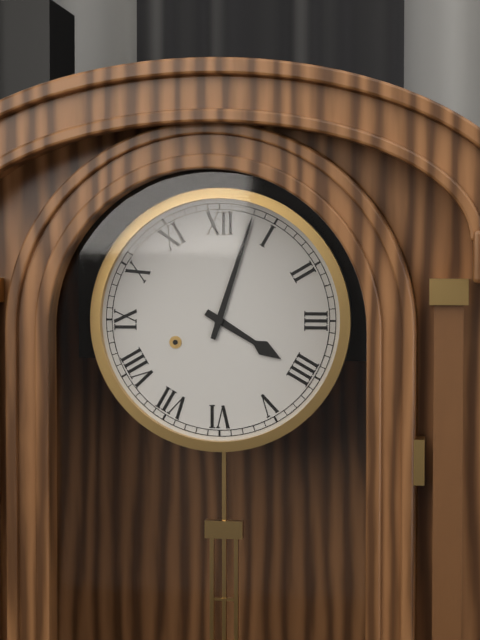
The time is h=4 m=3
